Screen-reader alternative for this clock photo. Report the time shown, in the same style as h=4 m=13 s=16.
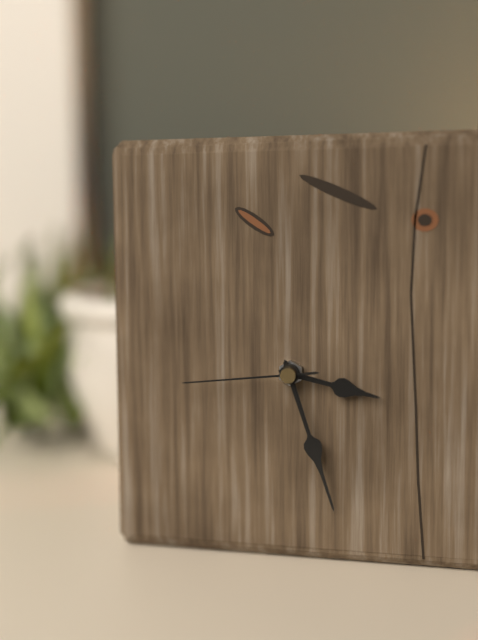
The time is h=3 m=27 s=44
